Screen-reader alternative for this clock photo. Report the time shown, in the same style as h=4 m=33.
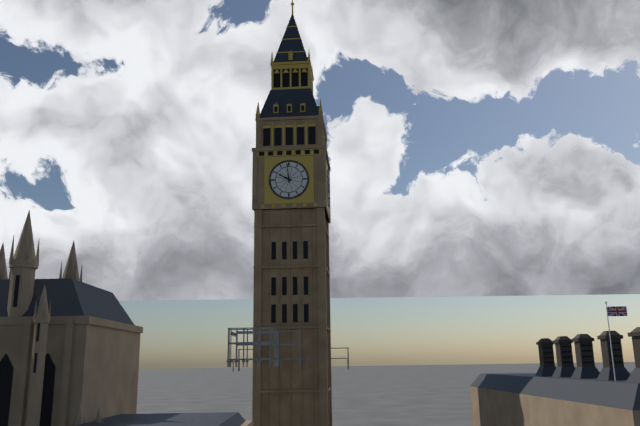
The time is h=9 m=59
